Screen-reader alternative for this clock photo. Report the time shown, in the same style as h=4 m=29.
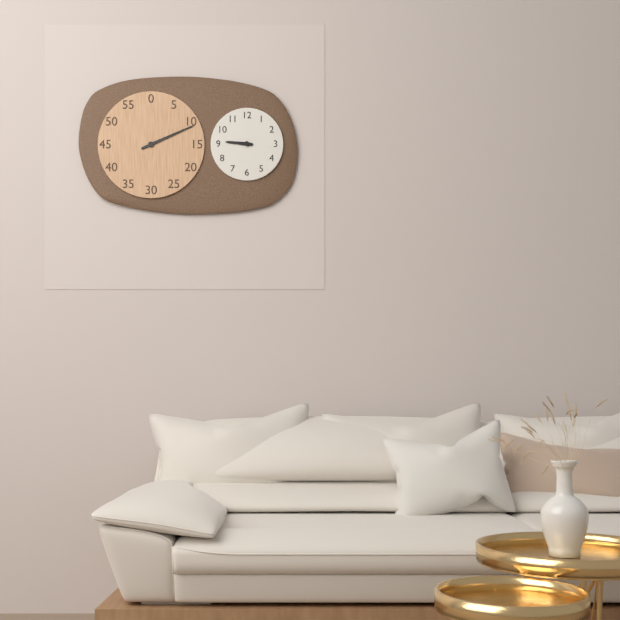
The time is h=9 m=11
